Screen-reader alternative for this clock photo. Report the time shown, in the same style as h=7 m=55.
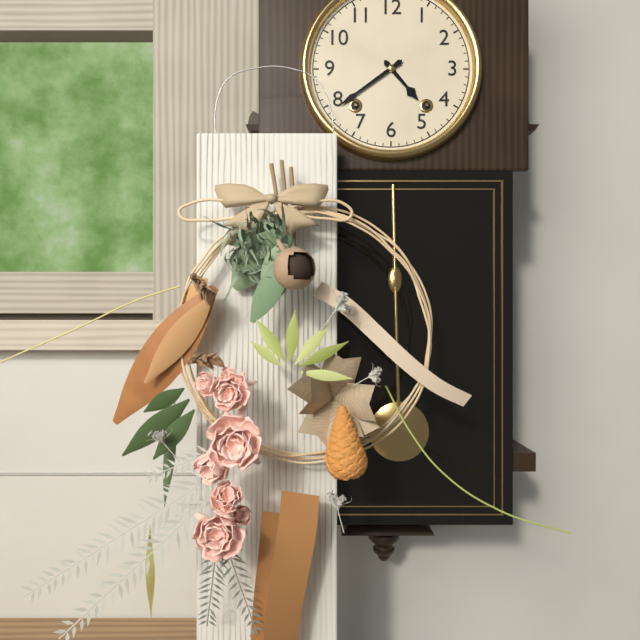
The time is h=4 m=39
